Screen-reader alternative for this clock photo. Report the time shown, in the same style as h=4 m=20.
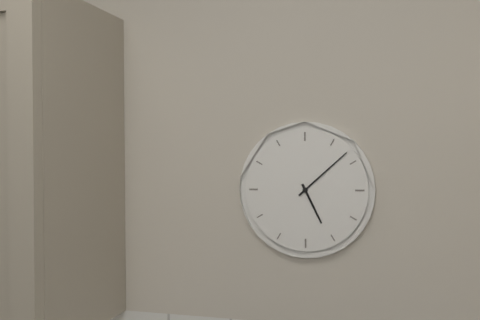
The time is h=5 m=8
